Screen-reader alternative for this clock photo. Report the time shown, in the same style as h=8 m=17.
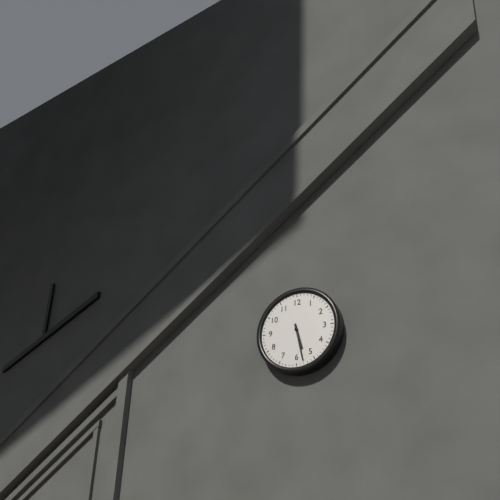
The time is h=5 m=28
